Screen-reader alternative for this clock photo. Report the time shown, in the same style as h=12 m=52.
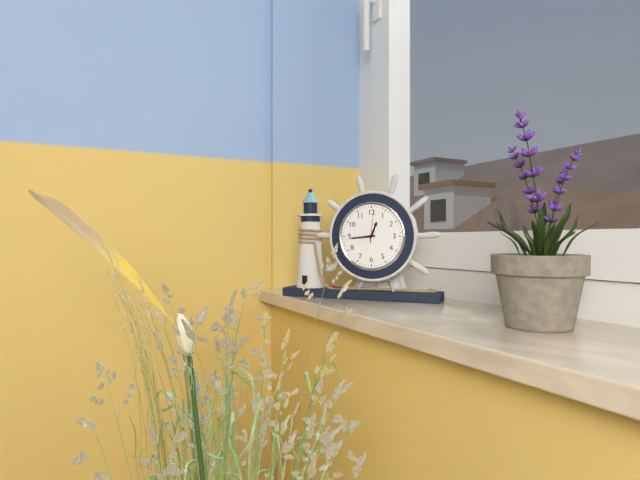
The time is h=12 m=44
